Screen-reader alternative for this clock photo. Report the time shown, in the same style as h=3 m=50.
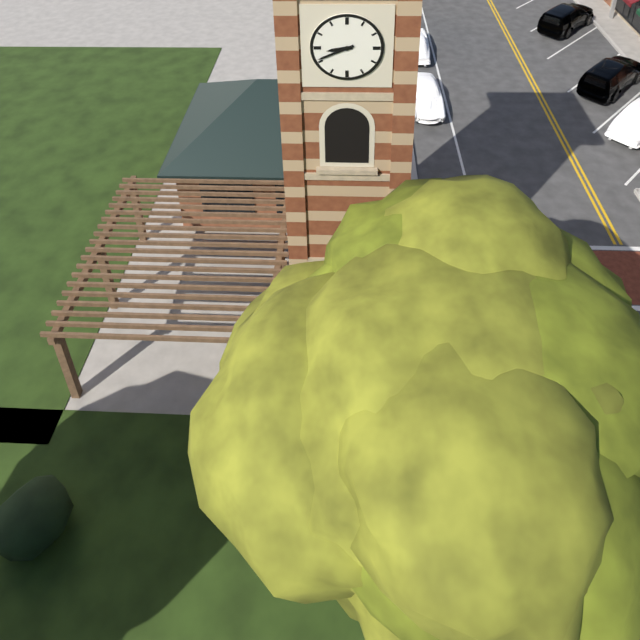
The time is h=8 m=41
